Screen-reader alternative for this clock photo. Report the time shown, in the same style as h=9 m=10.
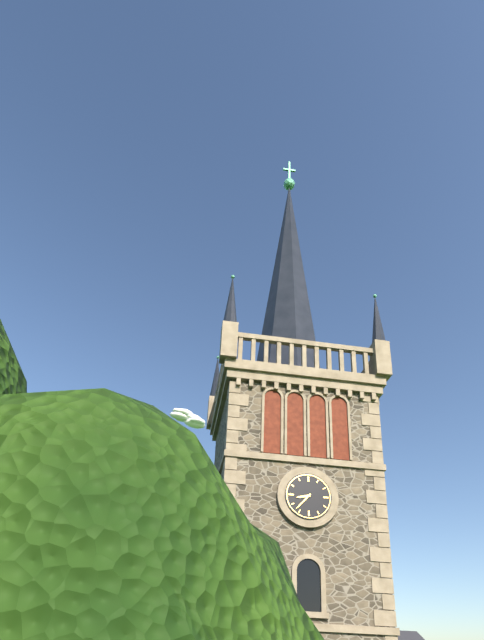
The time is h=8 m=37
